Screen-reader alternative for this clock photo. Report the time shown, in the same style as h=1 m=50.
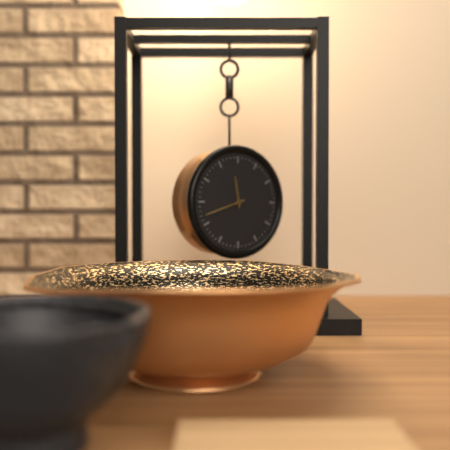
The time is h=11 m=42
